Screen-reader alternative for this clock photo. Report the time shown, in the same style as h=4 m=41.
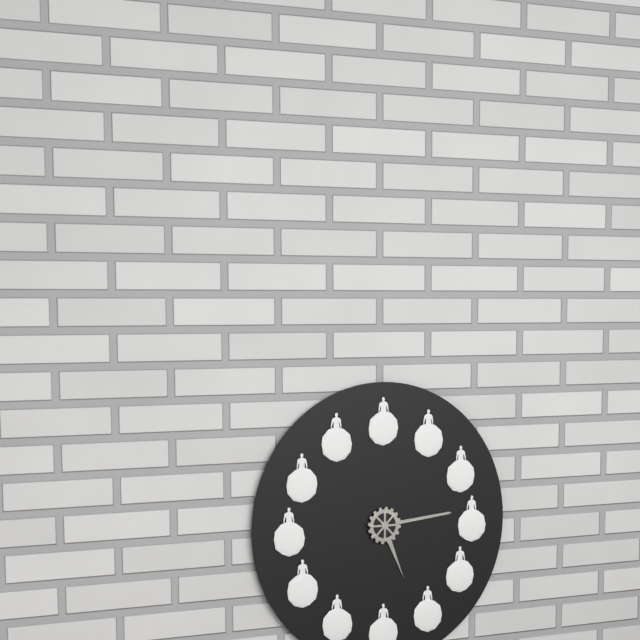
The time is h=5 m=14
